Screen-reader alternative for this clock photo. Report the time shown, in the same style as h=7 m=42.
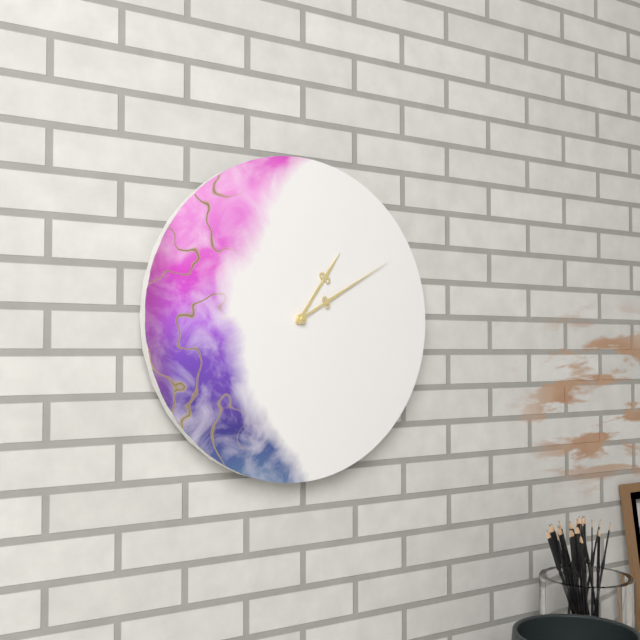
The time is h=1 m=10
